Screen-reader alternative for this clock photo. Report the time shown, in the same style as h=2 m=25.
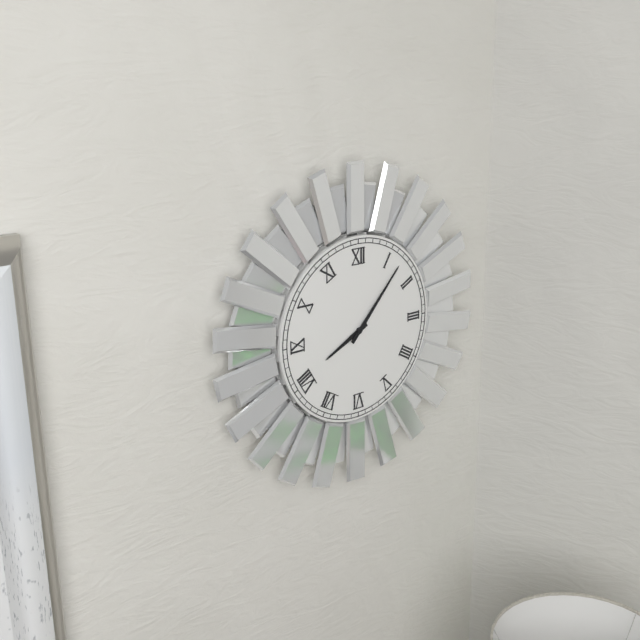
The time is h=8 m=7
